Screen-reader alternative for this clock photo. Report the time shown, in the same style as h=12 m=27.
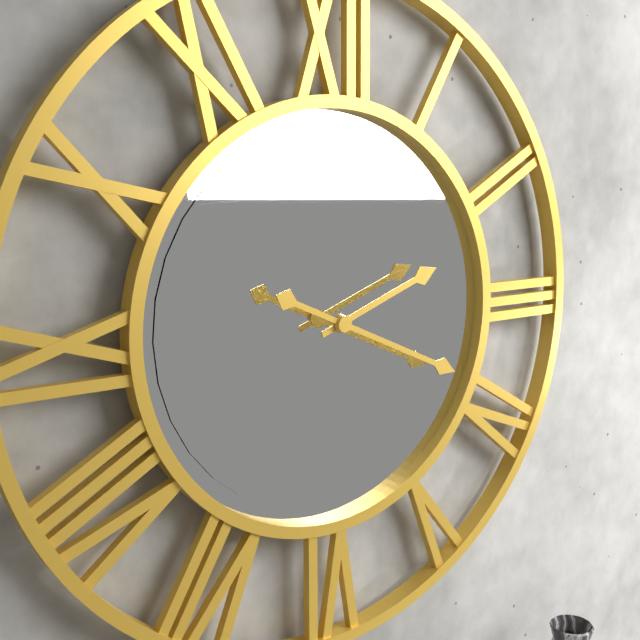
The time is h=2 m=19
